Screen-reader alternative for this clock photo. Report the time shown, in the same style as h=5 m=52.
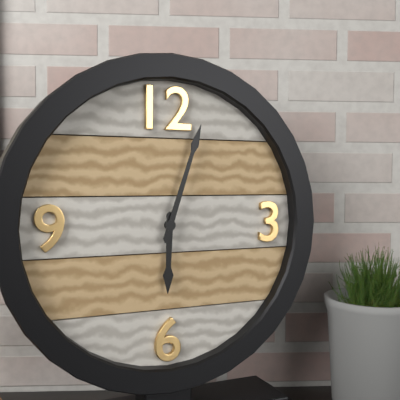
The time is h=6 m=3
